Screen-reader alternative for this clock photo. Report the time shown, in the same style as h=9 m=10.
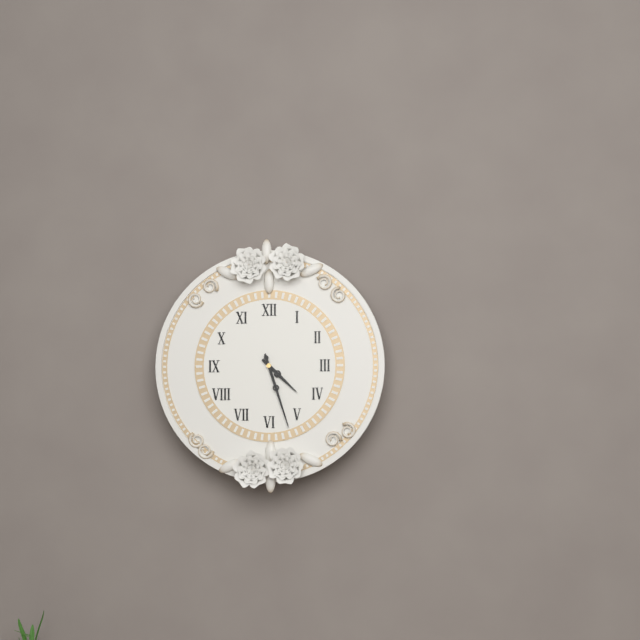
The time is h=4 m=27
